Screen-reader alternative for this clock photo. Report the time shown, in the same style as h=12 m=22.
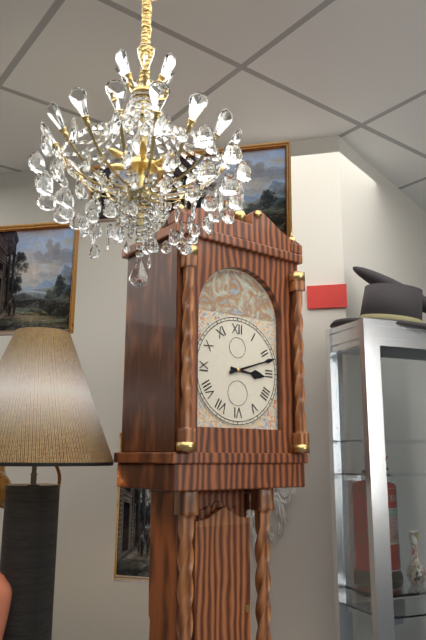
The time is h=3 m=12
